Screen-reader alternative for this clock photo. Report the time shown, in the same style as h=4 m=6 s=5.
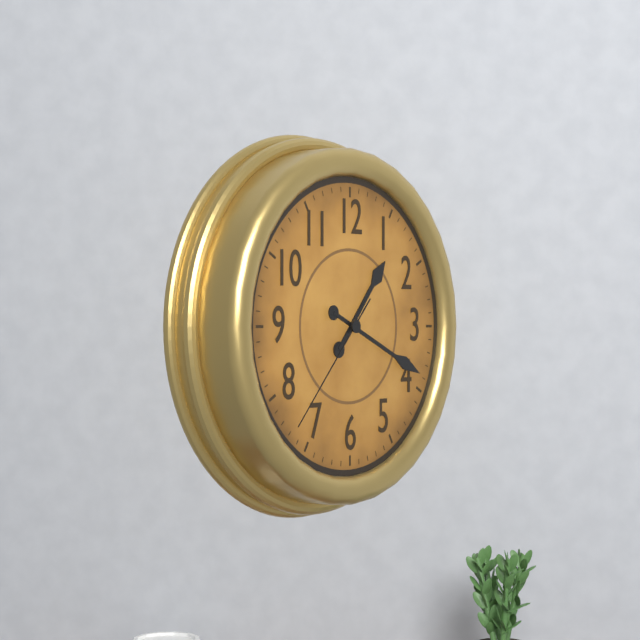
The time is h=1 m=19 s=37
